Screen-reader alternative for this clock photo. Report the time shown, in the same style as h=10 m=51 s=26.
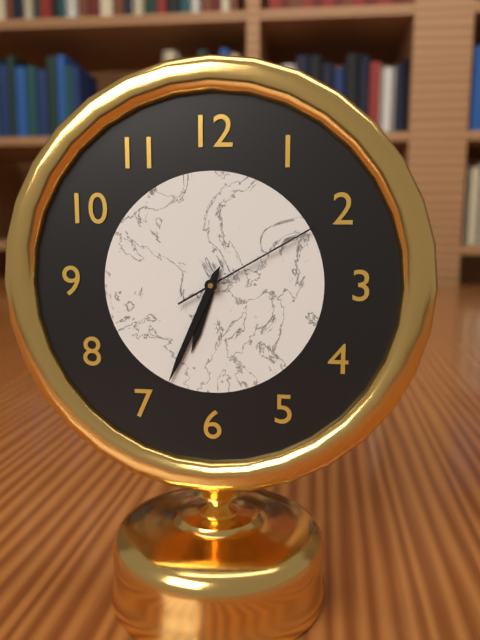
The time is h=6 m=34 s=10
